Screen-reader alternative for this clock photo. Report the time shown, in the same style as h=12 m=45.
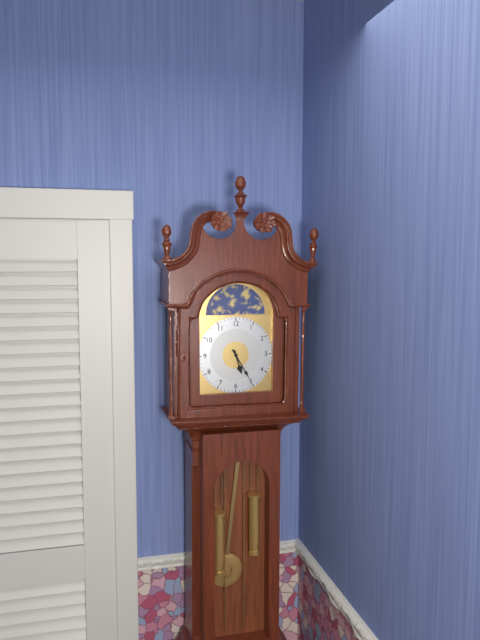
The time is h=5 m=25
